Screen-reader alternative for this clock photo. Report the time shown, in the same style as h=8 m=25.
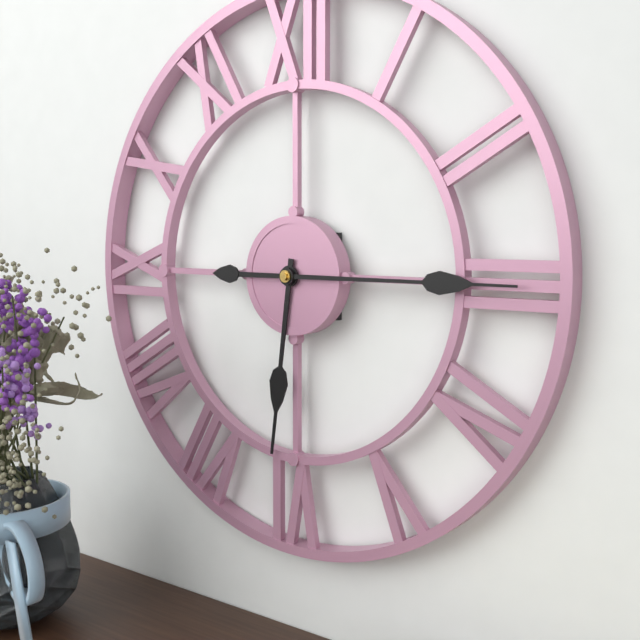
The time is h=6 m=15
